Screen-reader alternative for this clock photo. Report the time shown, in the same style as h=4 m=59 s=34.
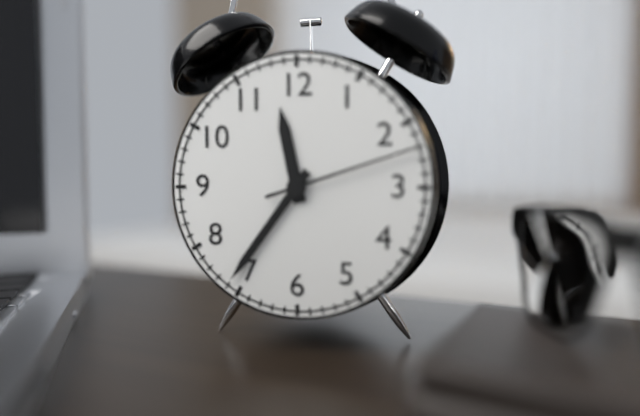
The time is h=11 m=36 s=12
